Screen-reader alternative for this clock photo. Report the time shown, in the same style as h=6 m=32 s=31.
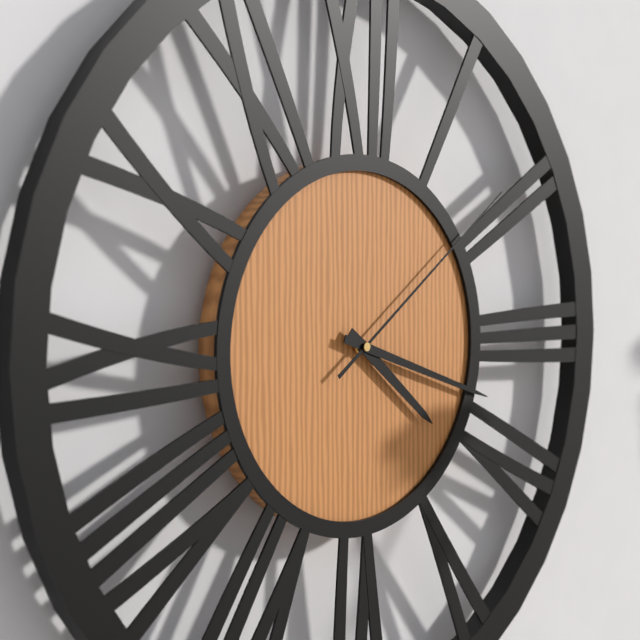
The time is h=4 m=18 s=9
